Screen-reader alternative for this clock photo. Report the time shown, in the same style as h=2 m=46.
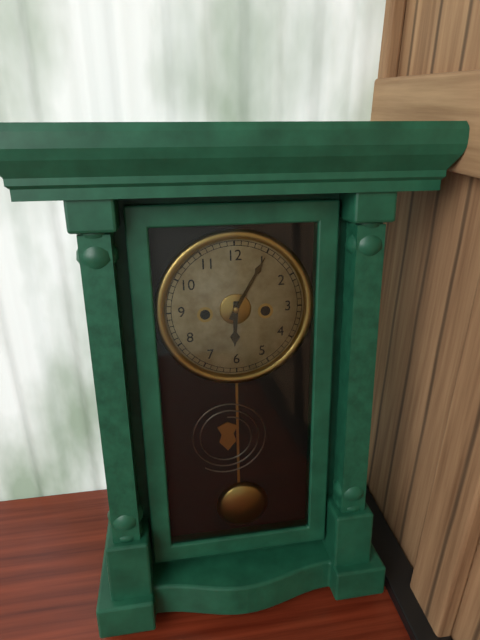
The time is h=6 m=5
